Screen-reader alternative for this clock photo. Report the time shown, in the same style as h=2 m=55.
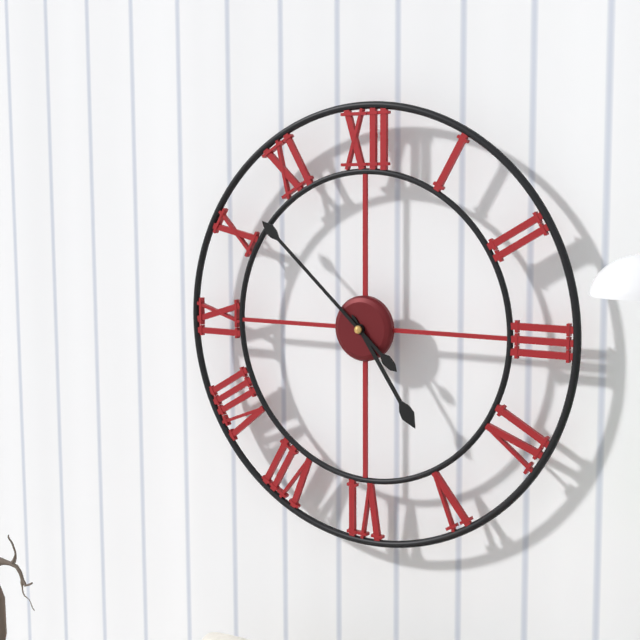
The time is h=4 m=52
